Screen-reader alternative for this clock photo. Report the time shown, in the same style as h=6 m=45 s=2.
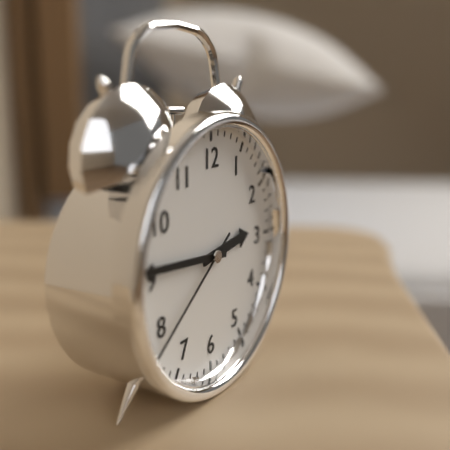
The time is h=2 m=46 s=39
